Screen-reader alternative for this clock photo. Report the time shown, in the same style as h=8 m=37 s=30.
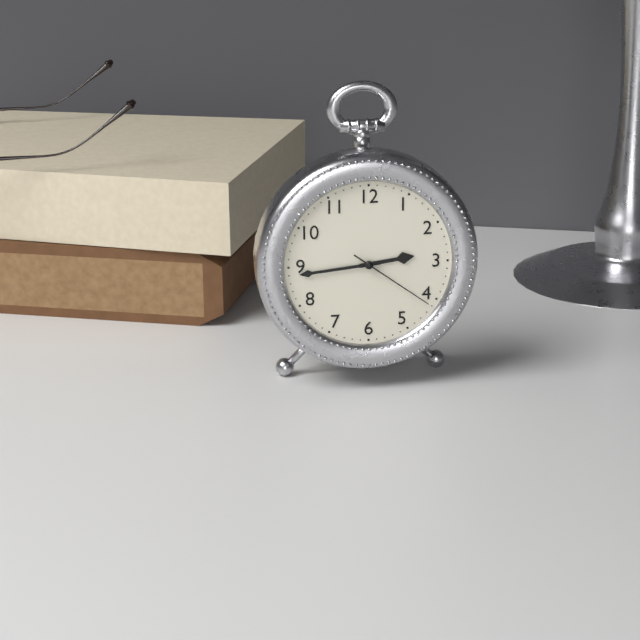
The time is h=2 m=44 s=21
